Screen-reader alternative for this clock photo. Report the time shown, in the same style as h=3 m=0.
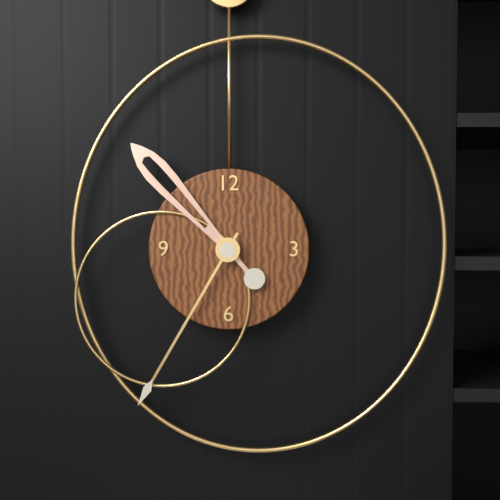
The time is h=10 m=35
